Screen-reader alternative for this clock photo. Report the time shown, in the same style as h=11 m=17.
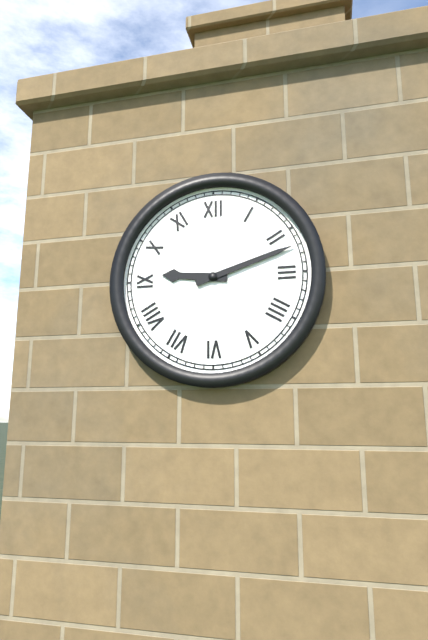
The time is h=9 m=12
